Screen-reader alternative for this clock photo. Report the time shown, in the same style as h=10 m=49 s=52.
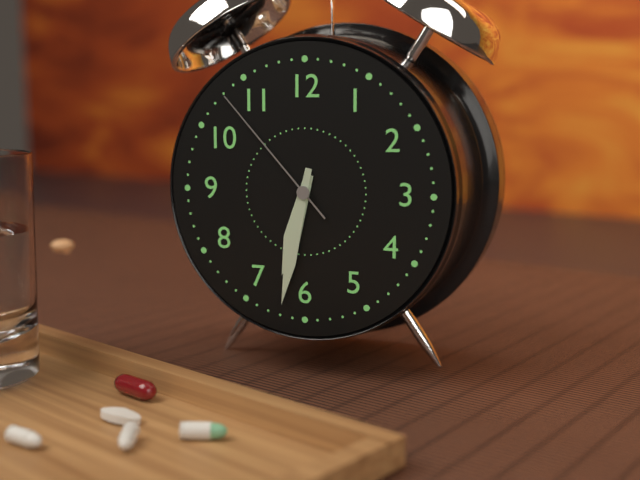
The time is h=6 m=32 s=53
